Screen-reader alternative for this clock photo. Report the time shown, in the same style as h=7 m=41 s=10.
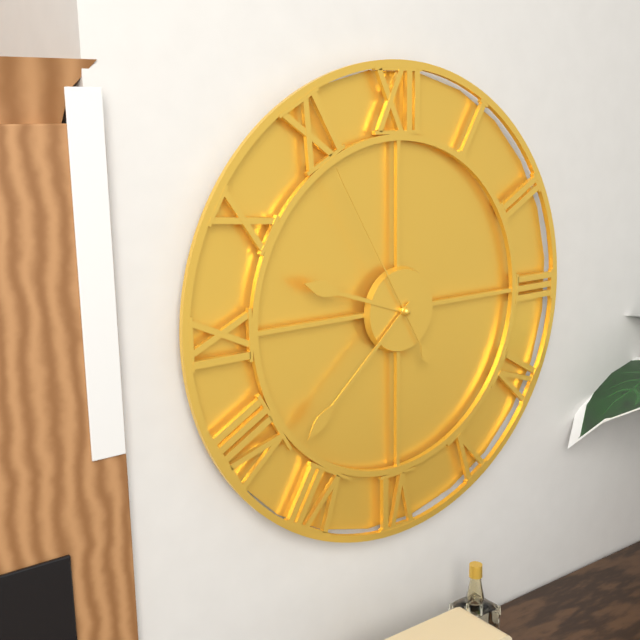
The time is h=9 m=38 s=55
